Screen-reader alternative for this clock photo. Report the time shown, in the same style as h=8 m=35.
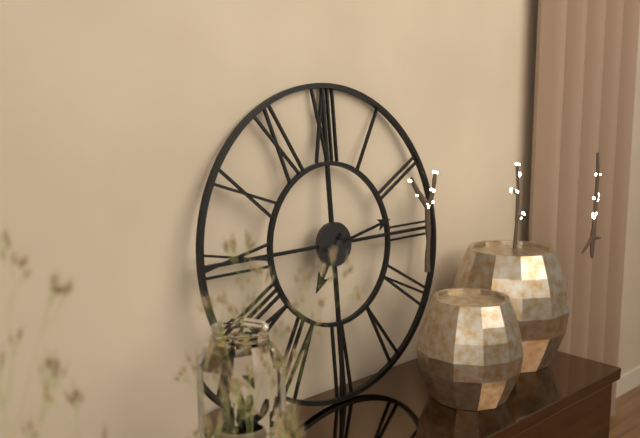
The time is h=7 m=13
